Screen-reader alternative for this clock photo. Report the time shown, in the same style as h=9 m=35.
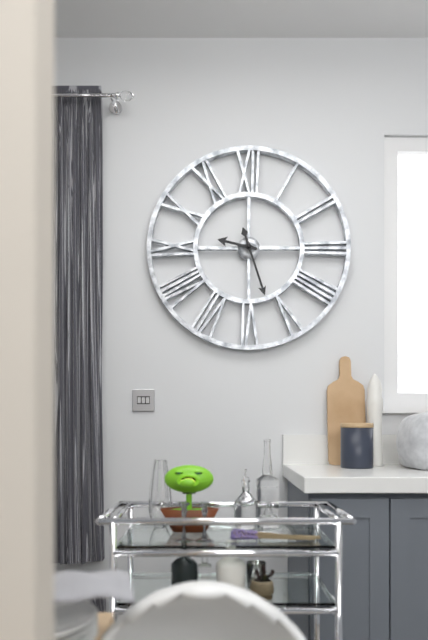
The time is h=9 m=27
